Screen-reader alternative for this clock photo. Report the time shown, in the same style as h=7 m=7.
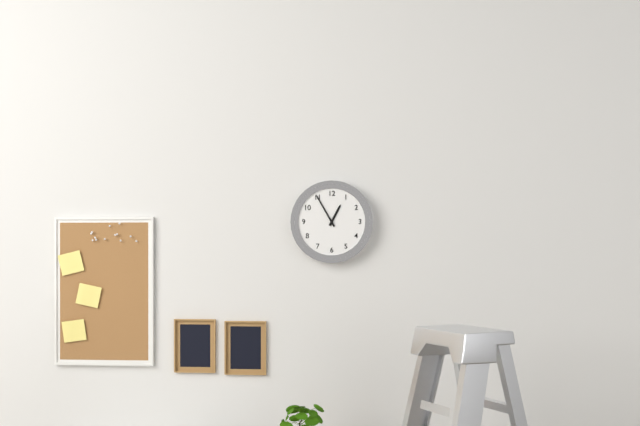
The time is h=12 m=55
